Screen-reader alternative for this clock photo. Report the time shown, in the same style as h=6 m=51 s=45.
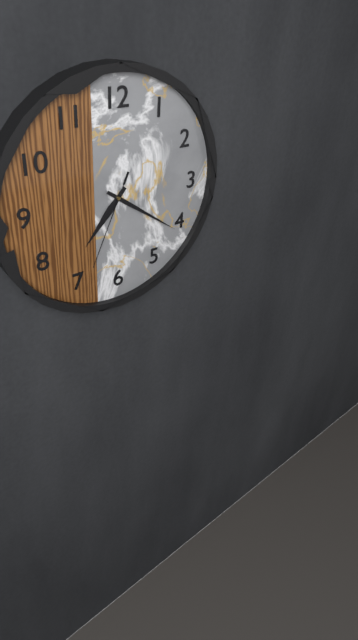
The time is h=7 m=21 s=34
